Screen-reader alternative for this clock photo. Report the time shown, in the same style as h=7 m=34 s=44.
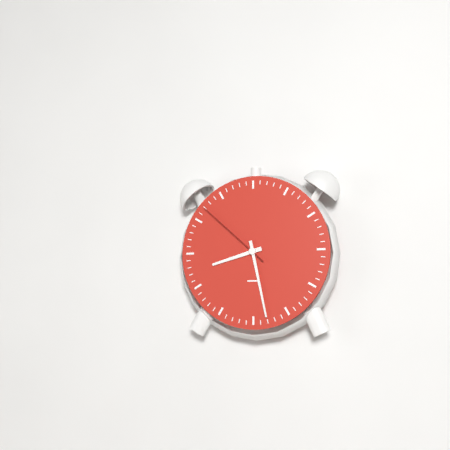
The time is h=8 m=28 s=52
